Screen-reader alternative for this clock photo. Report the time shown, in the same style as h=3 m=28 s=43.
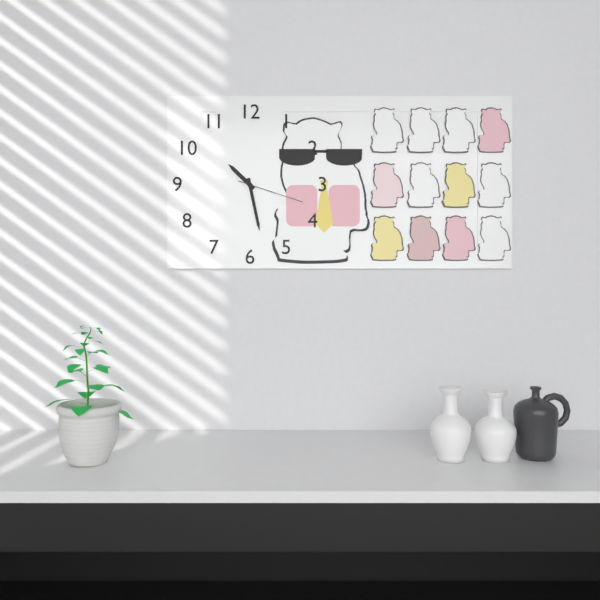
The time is h=10 m=28 s=18
